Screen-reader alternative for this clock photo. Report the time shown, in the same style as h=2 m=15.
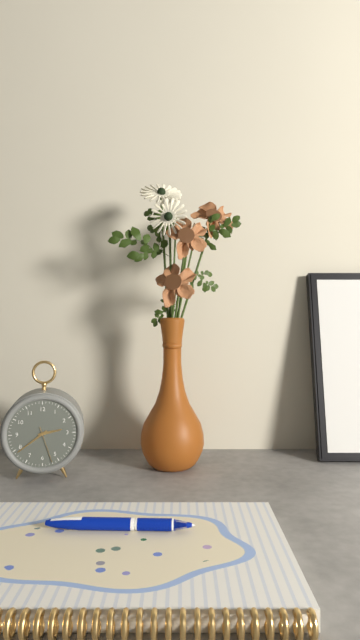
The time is h=2 m=39
